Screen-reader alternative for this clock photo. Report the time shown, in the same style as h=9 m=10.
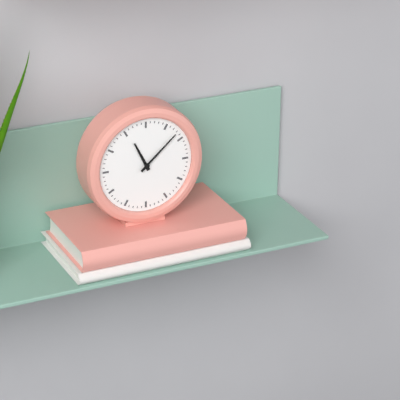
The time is h=11 m=8
